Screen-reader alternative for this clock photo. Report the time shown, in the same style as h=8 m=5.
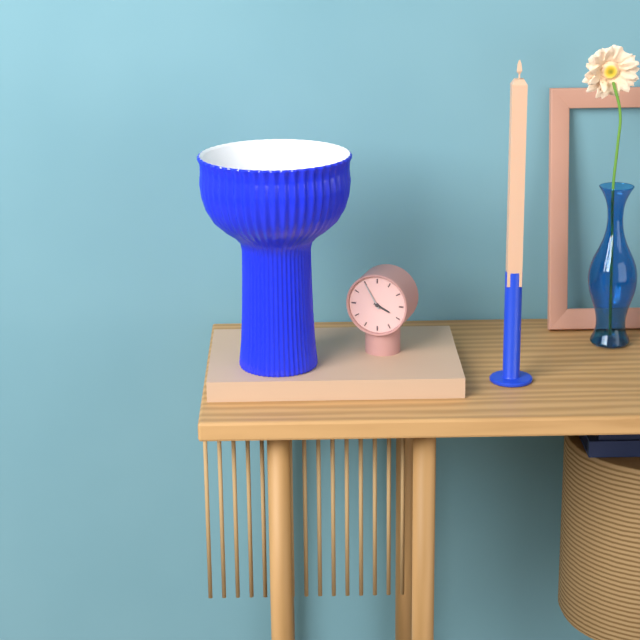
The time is h=3 m=55
